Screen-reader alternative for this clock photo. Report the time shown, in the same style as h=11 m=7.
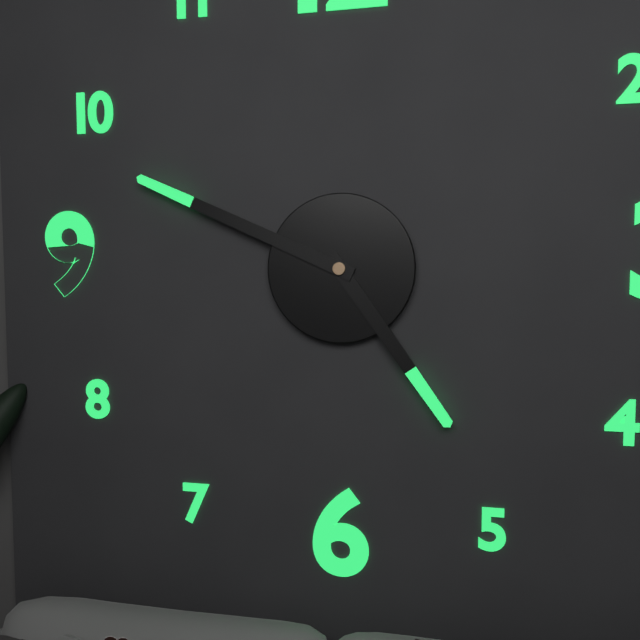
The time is h=4 m=49
